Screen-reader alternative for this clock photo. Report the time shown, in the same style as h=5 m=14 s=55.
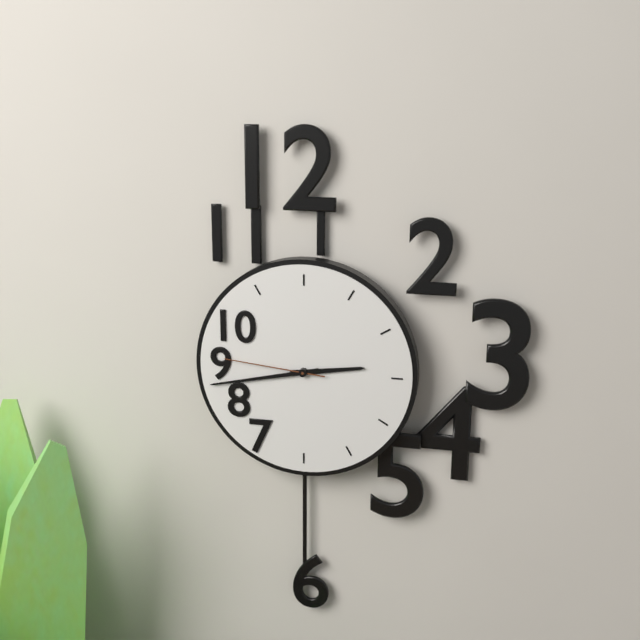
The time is h=2 m=43 s=46
